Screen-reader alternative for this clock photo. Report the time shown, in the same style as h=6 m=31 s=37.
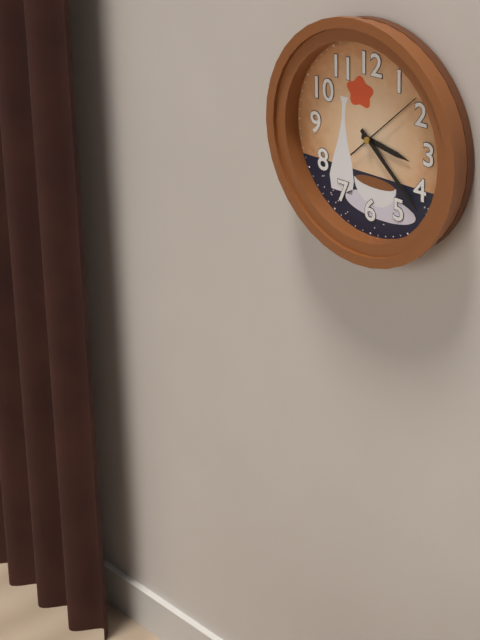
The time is h=3 m=22 s=8
